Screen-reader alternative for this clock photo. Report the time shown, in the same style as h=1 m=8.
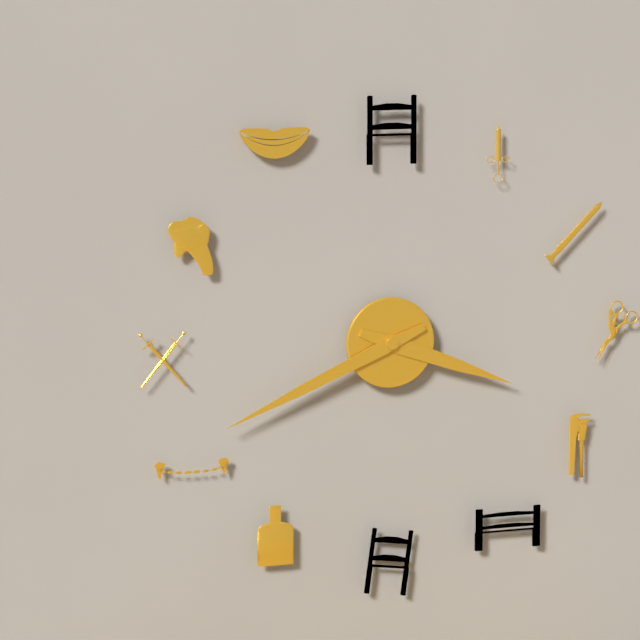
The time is h=3 m=41
